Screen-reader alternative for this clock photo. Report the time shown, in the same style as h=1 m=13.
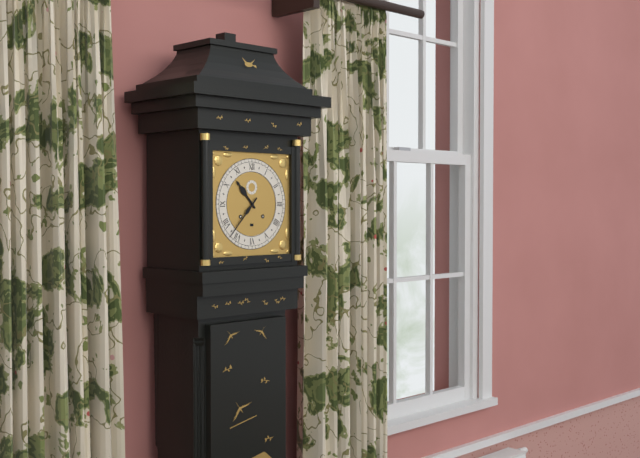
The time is h=10 m=37
